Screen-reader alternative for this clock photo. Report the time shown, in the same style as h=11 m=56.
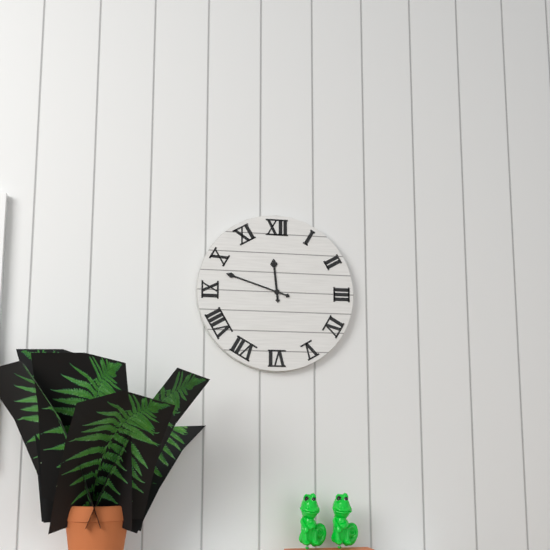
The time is h=11 m=48
